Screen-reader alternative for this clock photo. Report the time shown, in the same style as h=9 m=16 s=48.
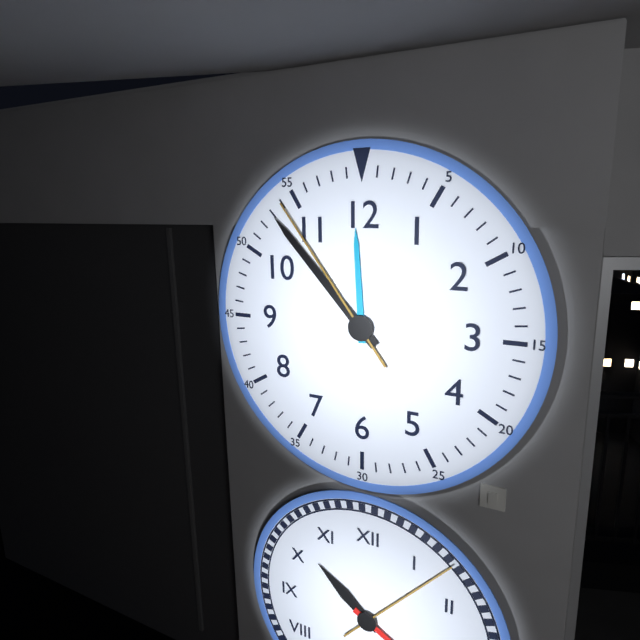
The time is h=11 m=53 s=54
